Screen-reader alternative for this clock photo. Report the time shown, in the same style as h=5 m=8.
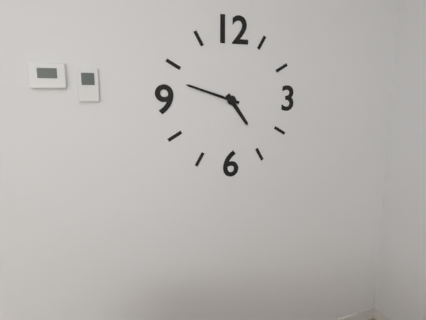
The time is h=4 m=48
